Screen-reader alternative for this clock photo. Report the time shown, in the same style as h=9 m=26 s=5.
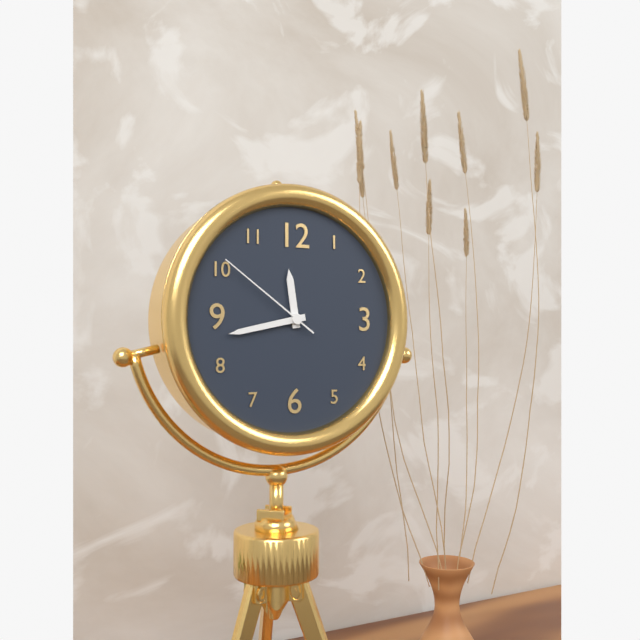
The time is h=11 m=43 s=51
